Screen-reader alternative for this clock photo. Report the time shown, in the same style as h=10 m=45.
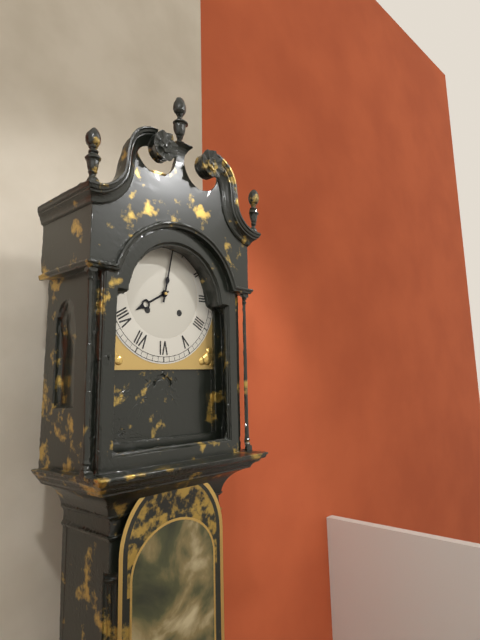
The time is h=8 m=2
